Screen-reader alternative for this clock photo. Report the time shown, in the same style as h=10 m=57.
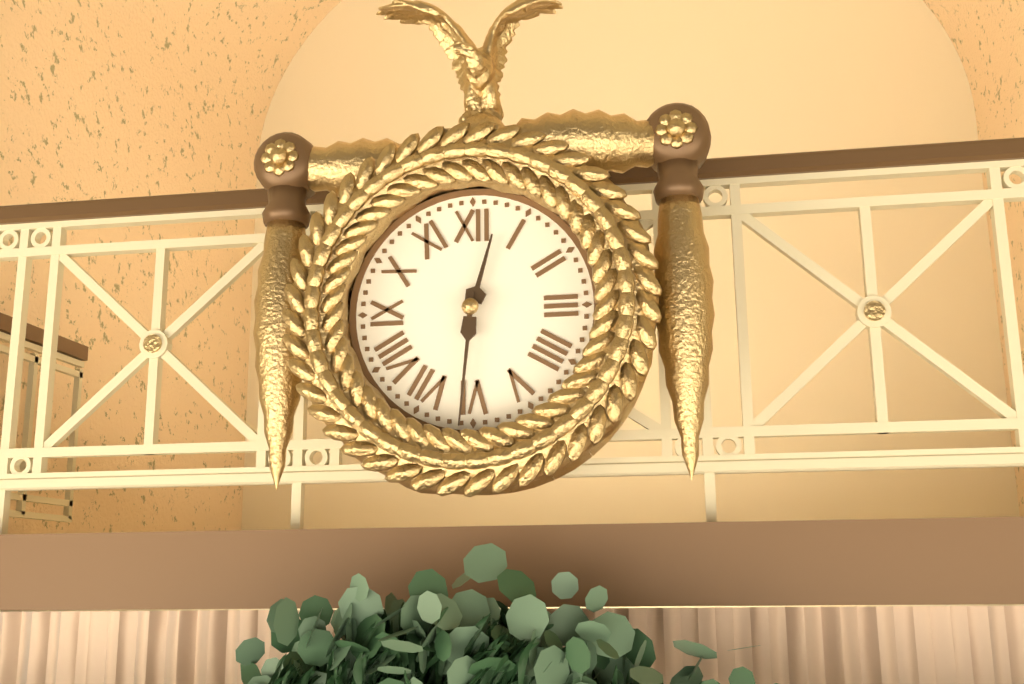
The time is h=12 m=31
